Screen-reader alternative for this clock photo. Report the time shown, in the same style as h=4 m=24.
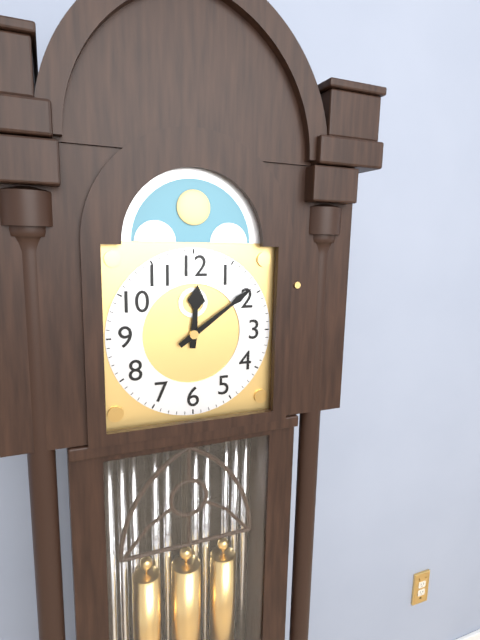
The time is h=12 m=9
